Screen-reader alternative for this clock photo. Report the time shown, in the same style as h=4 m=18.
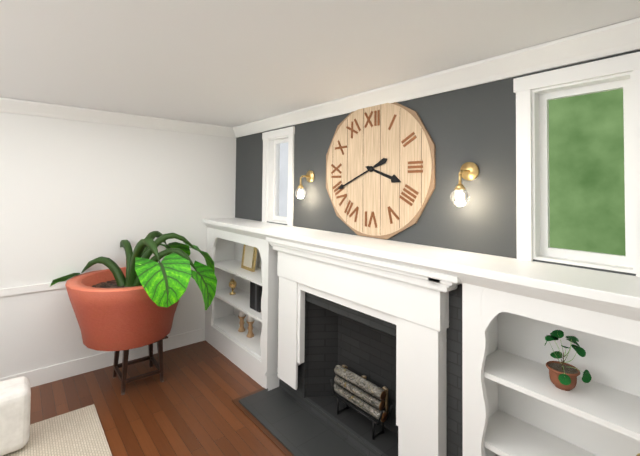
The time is h=3 m=41
